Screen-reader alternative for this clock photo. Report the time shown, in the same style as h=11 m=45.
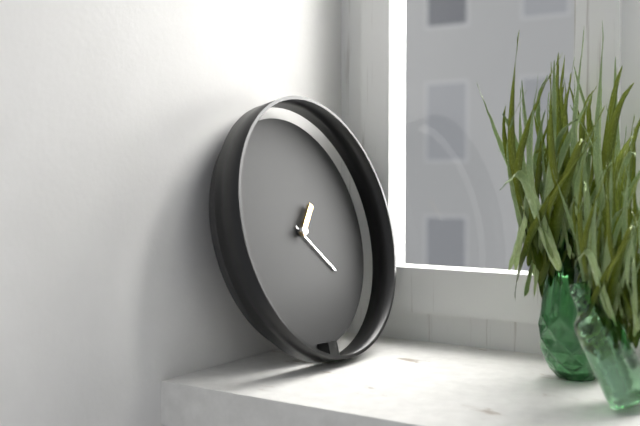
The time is h=1 m=22
